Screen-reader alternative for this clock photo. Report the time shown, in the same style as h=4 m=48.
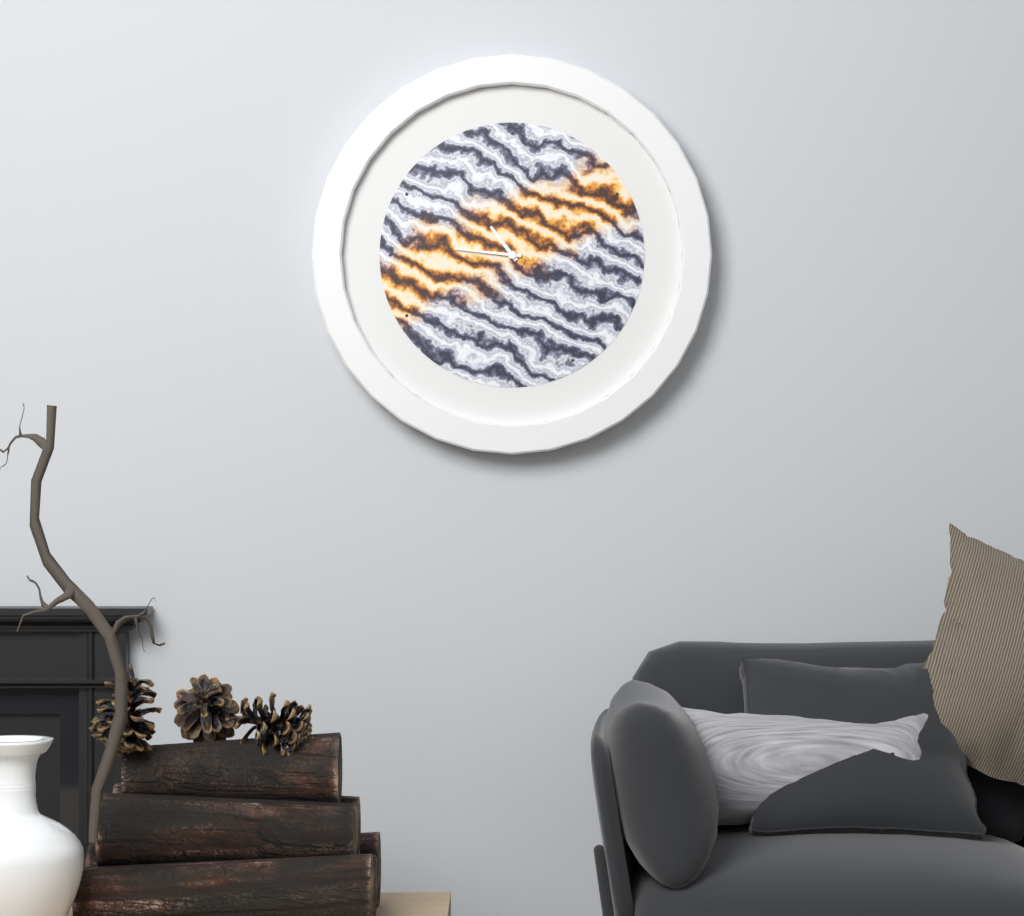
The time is h=10 m=46
